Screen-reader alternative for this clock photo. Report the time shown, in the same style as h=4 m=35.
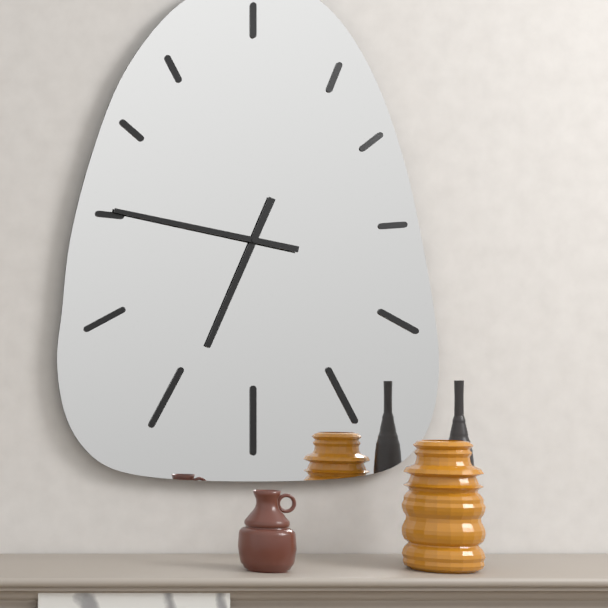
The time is h=6 m=47
